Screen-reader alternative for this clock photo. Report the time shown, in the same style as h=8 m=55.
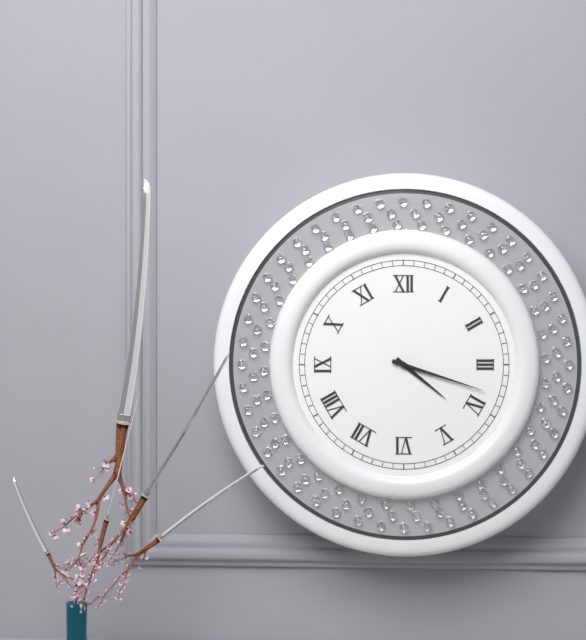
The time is h=4 m=18
